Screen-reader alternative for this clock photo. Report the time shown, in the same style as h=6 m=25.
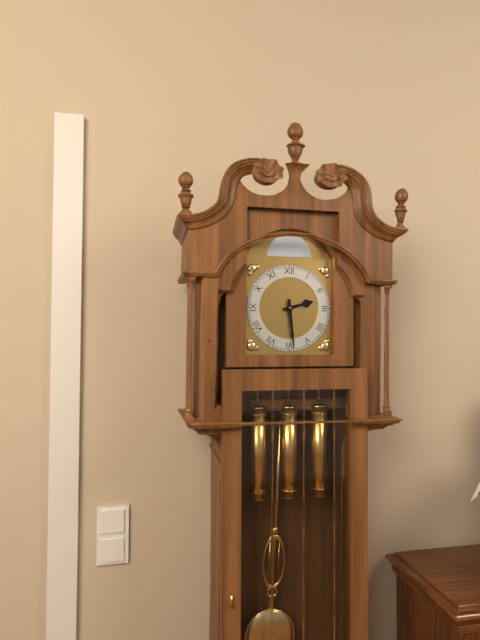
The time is h=2 m=29
